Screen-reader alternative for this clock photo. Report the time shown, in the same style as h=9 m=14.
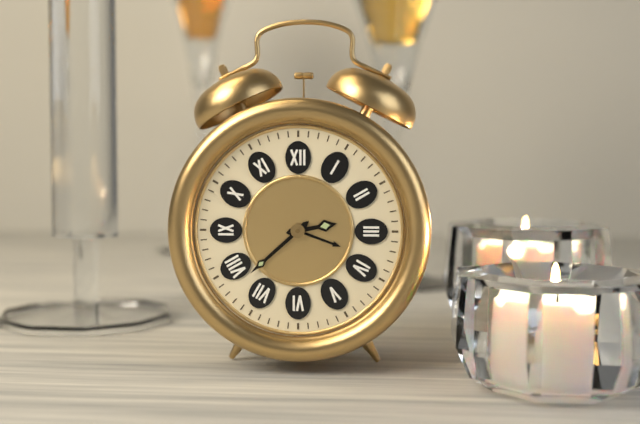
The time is h=2 m=38
